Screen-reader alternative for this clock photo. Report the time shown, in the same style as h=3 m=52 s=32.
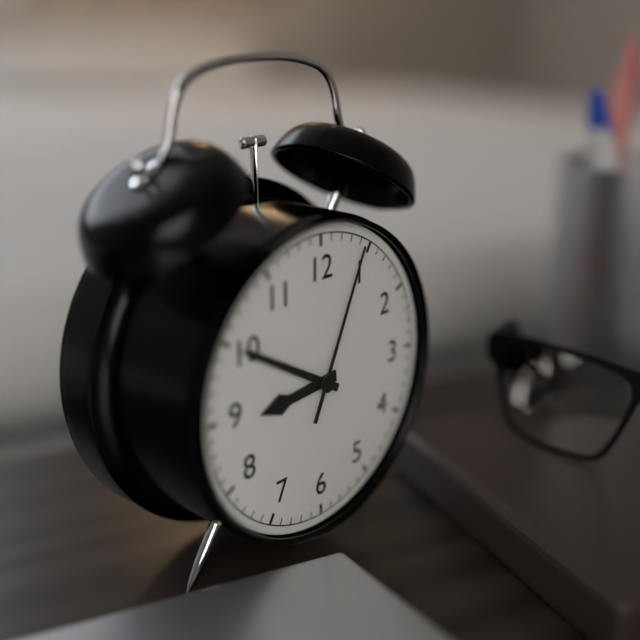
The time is h=8 m=50 s=4
